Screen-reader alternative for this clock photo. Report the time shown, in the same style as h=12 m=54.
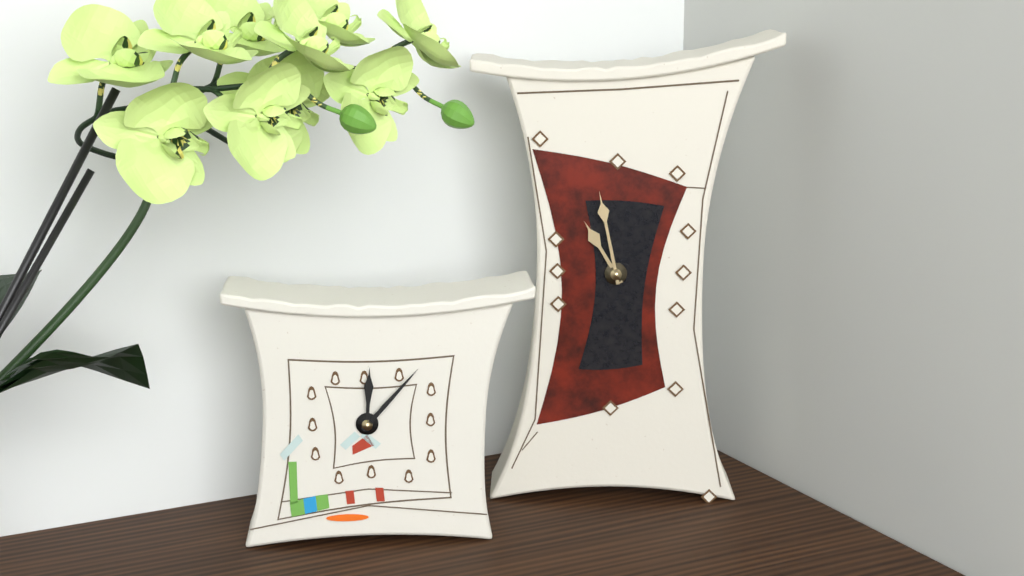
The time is h=10 m=58
